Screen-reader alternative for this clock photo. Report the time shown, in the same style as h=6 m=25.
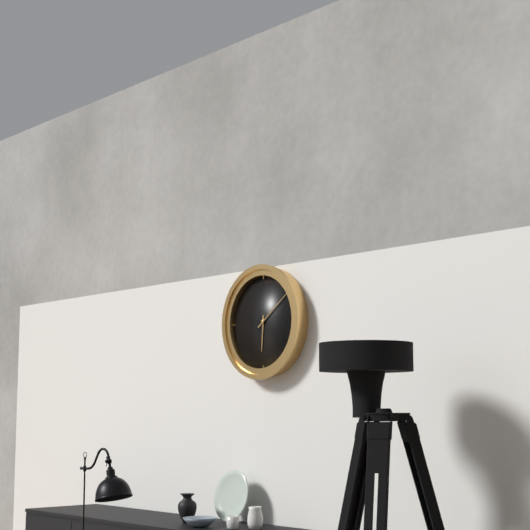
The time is h=6 m=9
